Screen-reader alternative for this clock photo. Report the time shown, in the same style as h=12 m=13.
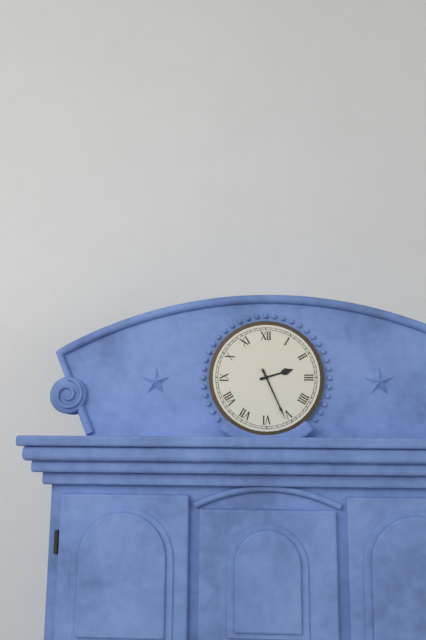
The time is h=2 m=26
